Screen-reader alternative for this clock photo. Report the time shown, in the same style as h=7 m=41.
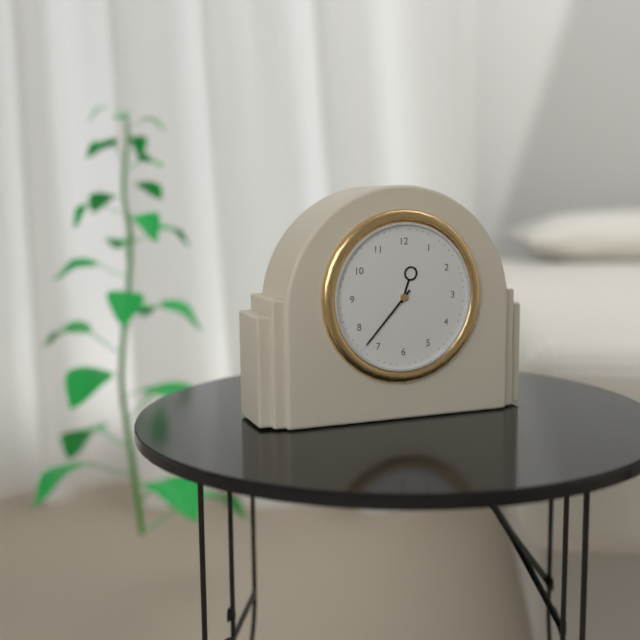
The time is h=12 m=37
